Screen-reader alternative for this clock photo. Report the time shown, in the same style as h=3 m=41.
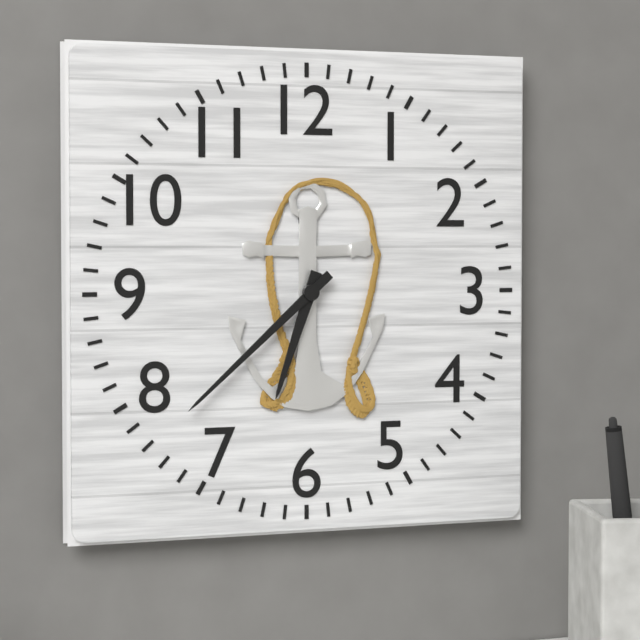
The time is h=6 m=38
